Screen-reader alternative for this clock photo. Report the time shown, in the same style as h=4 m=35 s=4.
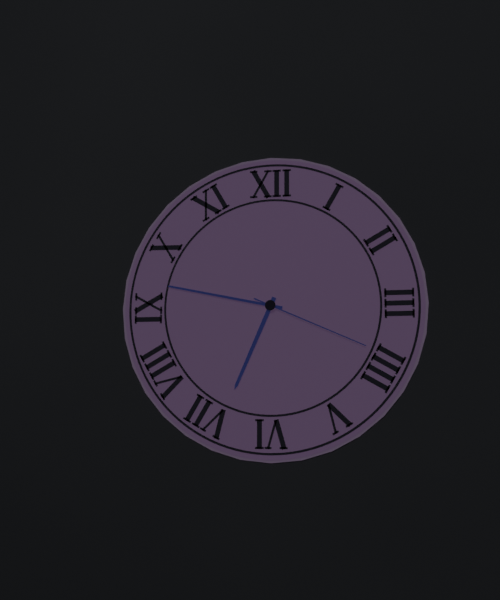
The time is h=6 m=47 s=19
